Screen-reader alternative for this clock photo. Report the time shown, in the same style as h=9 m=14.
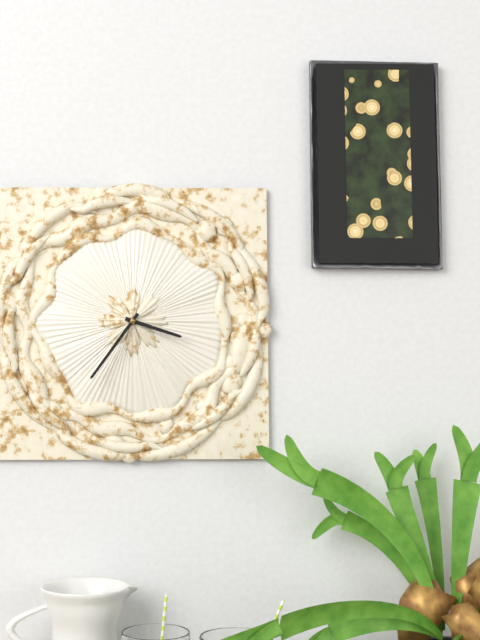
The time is h=3 m=36
